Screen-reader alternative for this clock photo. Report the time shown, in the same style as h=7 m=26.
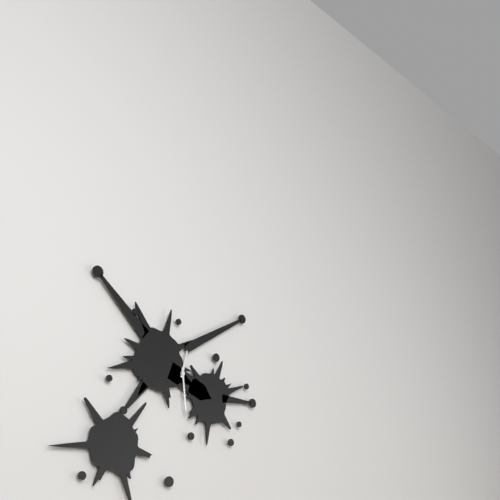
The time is h=12 m=29
